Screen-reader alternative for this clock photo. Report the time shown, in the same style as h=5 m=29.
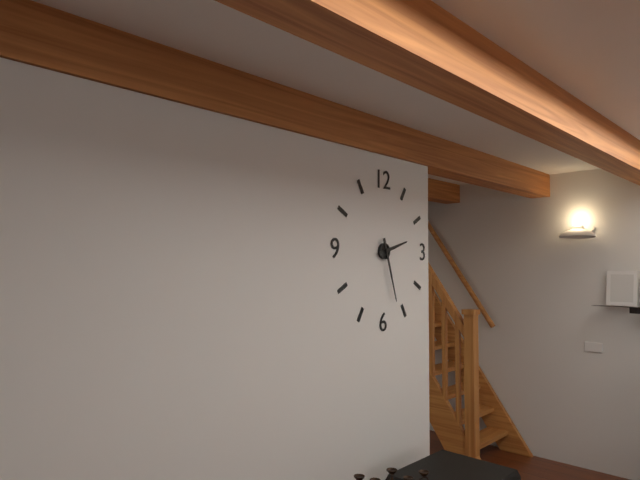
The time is h=2 m=27
